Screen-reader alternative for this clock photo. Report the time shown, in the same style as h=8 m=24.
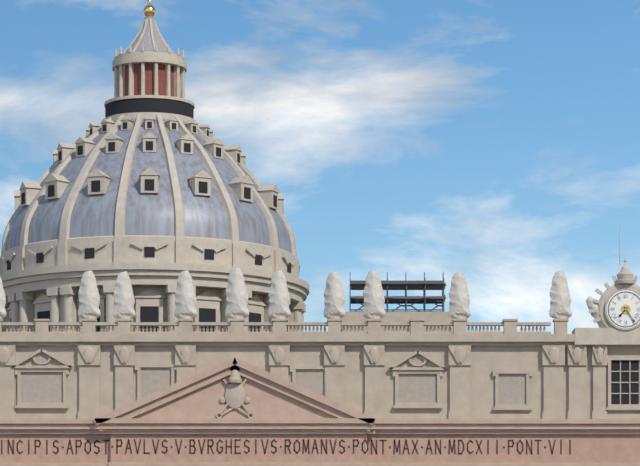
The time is h=7 m=24
